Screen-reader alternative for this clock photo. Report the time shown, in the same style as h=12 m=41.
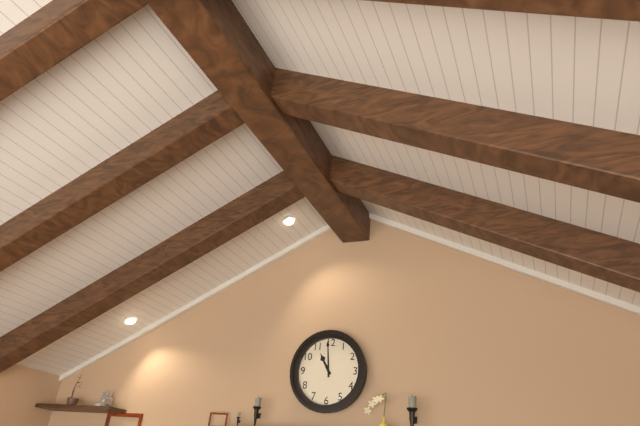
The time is h=10 m=59
